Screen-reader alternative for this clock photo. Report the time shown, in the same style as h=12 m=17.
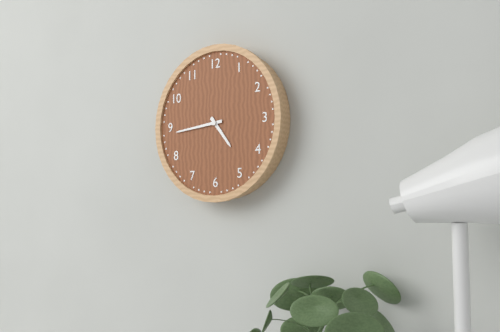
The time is h=4 m=44
